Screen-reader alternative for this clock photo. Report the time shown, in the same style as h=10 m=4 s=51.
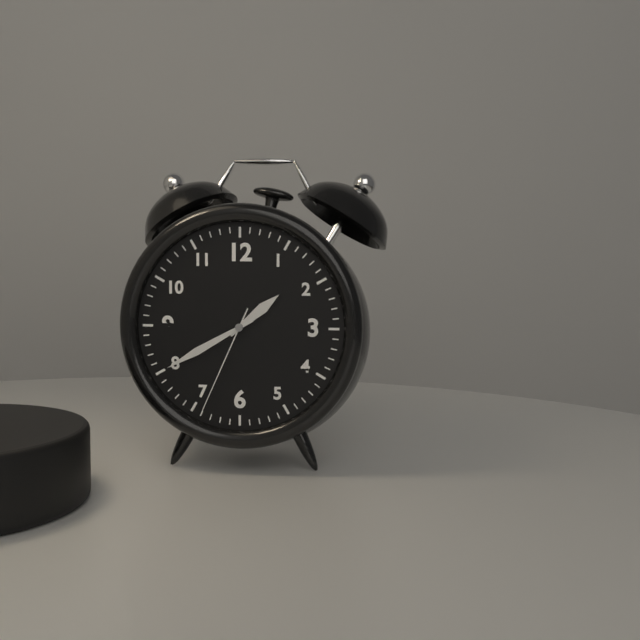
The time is h=1 m=40 s=34
